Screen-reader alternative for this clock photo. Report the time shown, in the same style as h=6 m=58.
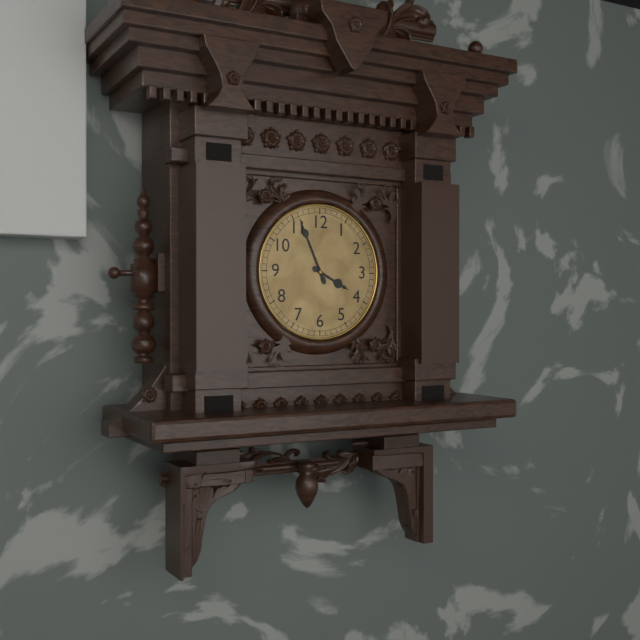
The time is h=3 m=56
